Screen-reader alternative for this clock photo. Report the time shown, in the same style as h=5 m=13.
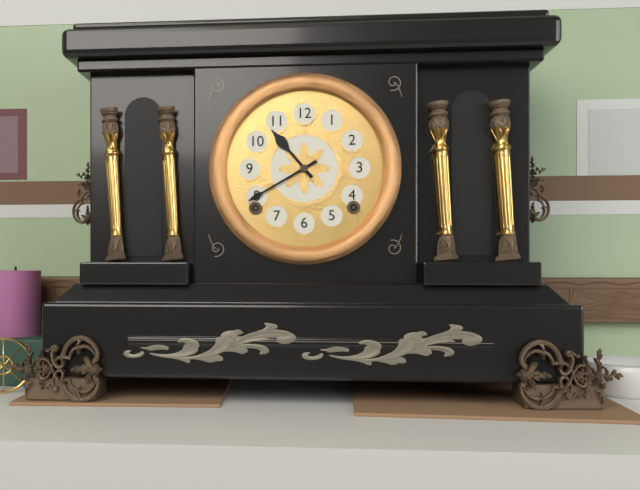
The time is h=10 m=40
